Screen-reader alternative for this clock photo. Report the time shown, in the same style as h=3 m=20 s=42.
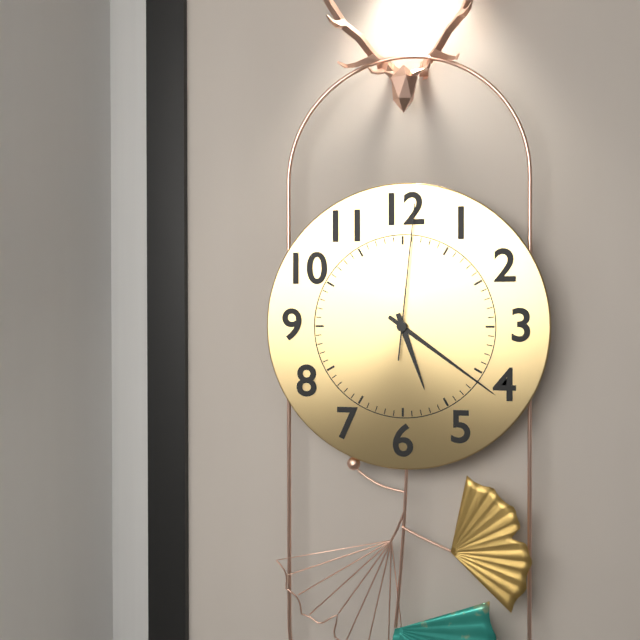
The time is h=5 m=21 s=1
